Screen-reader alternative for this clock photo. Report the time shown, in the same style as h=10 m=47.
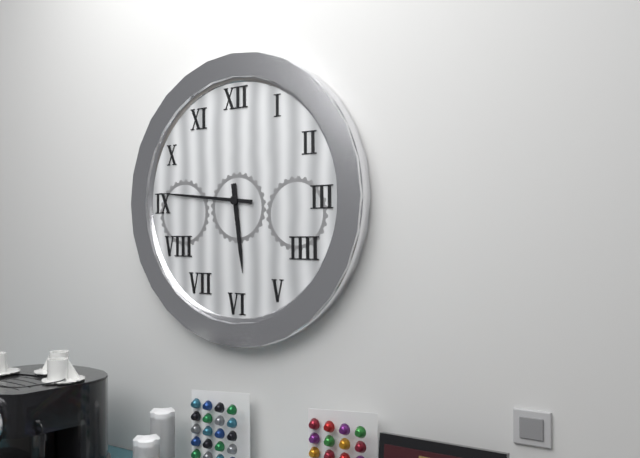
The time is h=5 m=46
